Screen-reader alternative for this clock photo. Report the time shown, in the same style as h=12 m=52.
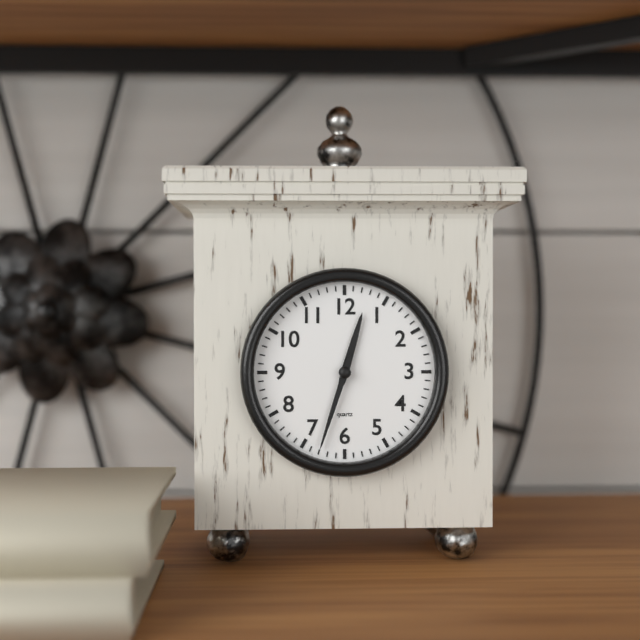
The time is h=12 m=33
